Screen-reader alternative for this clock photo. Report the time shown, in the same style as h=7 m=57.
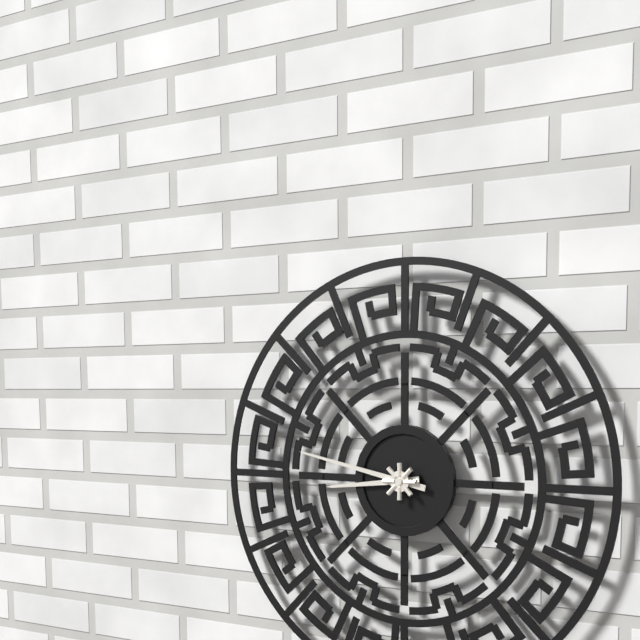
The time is h=8 m=47
